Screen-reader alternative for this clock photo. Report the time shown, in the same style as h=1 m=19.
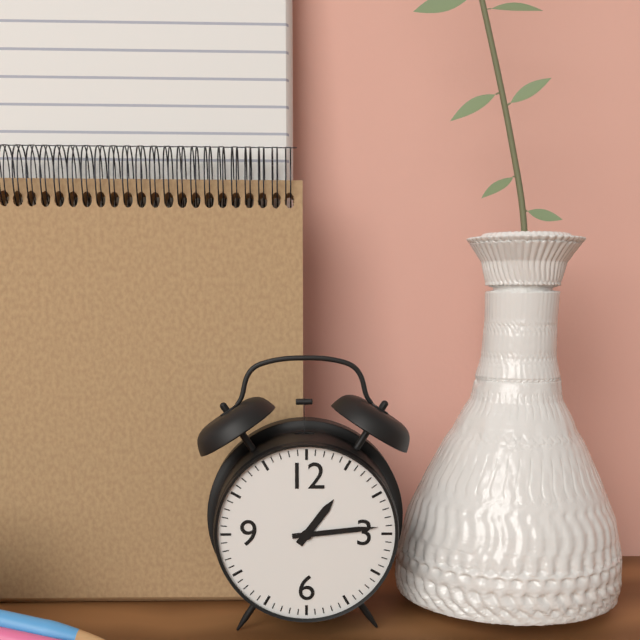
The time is h=1 m=14
